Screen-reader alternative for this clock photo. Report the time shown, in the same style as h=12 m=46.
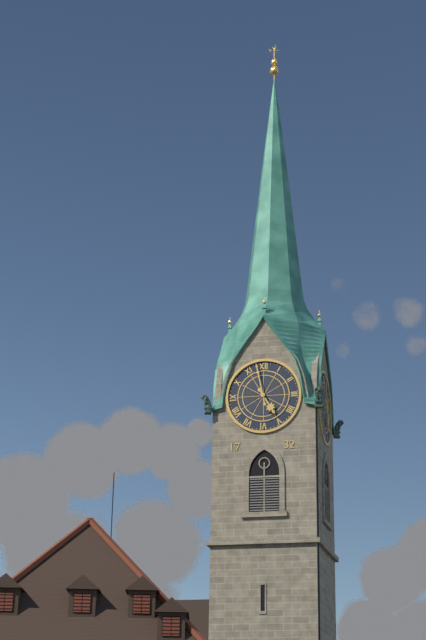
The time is h=4 m=58
